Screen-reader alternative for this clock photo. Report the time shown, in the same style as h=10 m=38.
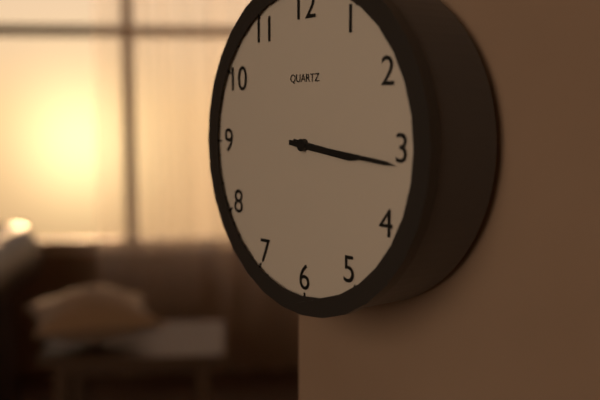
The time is h=3 m=16
